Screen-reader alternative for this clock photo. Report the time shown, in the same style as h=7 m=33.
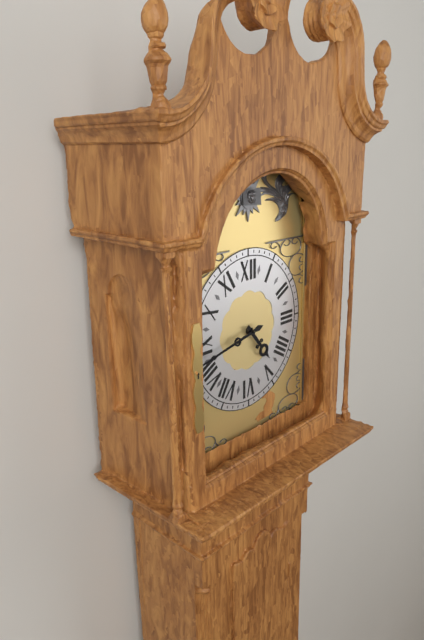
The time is h=4 m=43
